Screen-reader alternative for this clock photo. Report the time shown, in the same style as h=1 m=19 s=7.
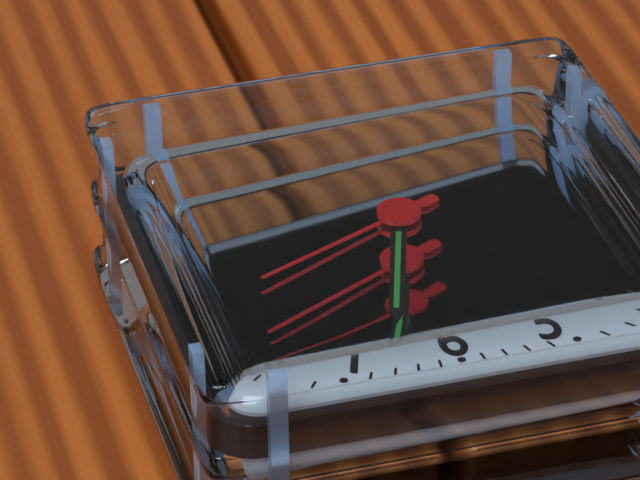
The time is h=5 m=33 s=41
